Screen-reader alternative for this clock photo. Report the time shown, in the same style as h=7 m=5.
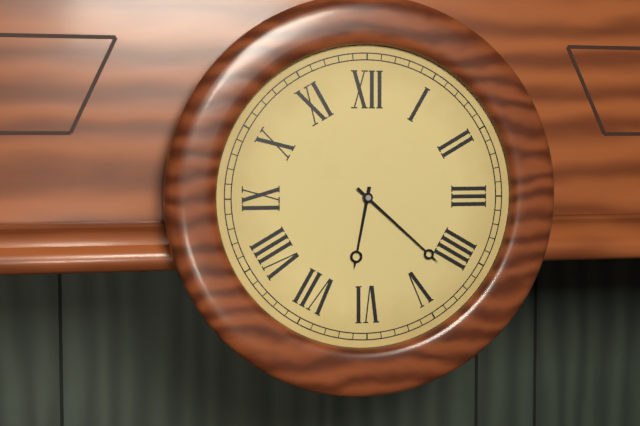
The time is h=6 m=22
